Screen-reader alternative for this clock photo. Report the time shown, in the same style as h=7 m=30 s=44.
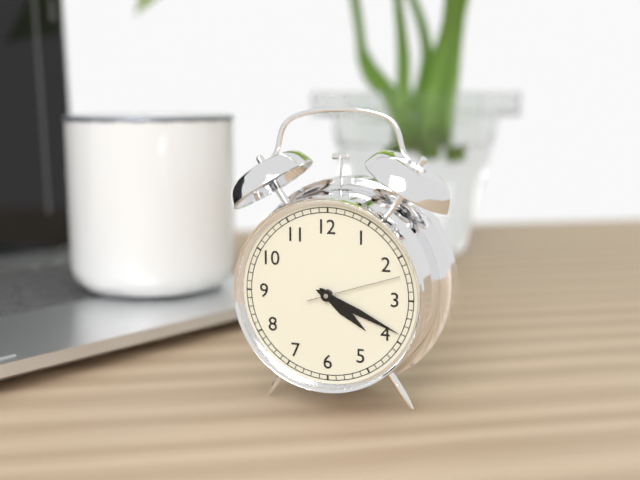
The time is h=4 m=19 s=12
